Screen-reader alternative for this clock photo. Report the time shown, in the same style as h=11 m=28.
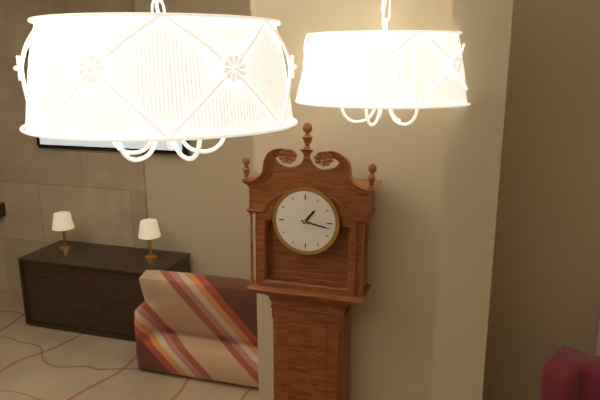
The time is h=1 m=17
